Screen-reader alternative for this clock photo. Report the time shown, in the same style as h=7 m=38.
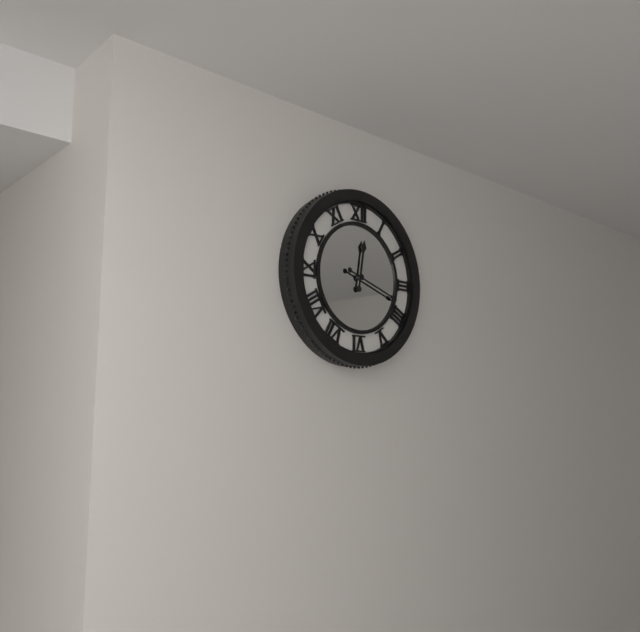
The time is h=12 m=18
